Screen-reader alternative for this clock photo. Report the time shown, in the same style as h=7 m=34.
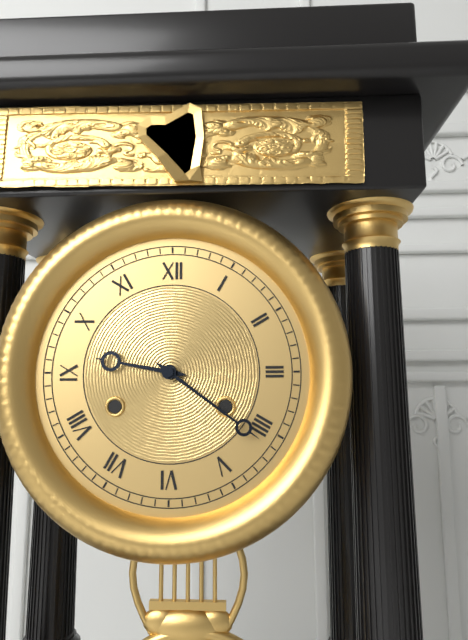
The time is h=9 m=21
